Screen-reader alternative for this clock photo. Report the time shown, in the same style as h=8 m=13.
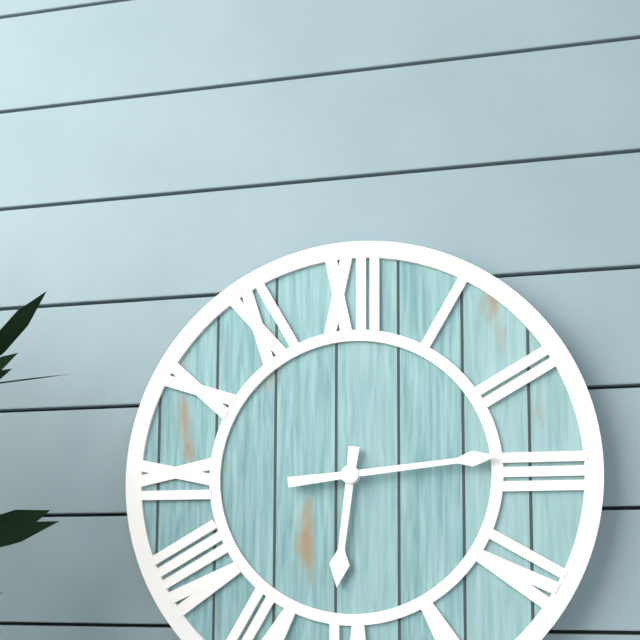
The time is h=6 m=14
